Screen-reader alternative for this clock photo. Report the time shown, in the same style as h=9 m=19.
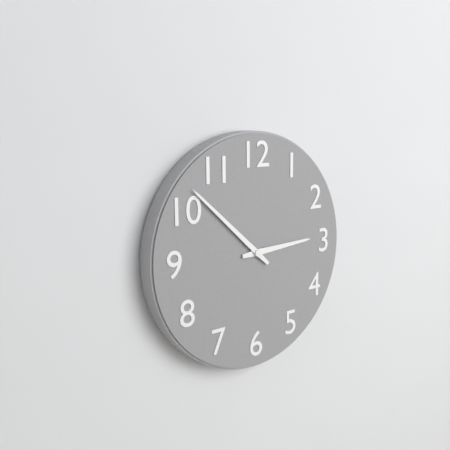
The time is h=2 m=52
